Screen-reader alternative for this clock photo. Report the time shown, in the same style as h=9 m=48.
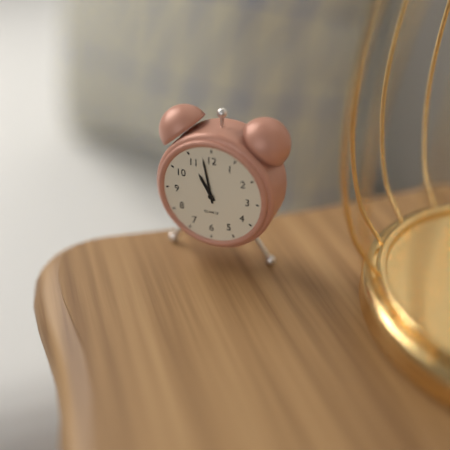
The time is h=10 m=58
